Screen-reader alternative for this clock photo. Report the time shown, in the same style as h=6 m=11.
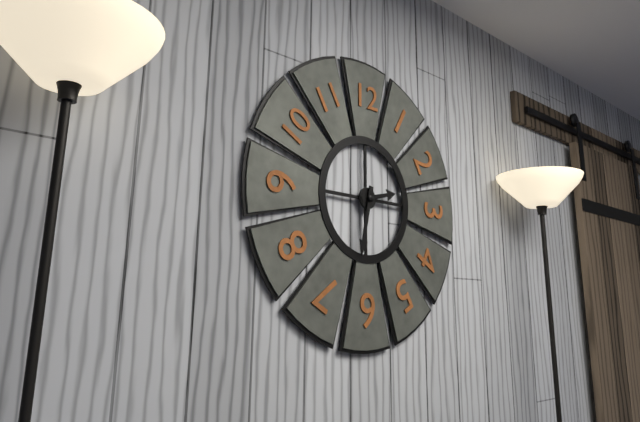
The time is h=2 m=32
